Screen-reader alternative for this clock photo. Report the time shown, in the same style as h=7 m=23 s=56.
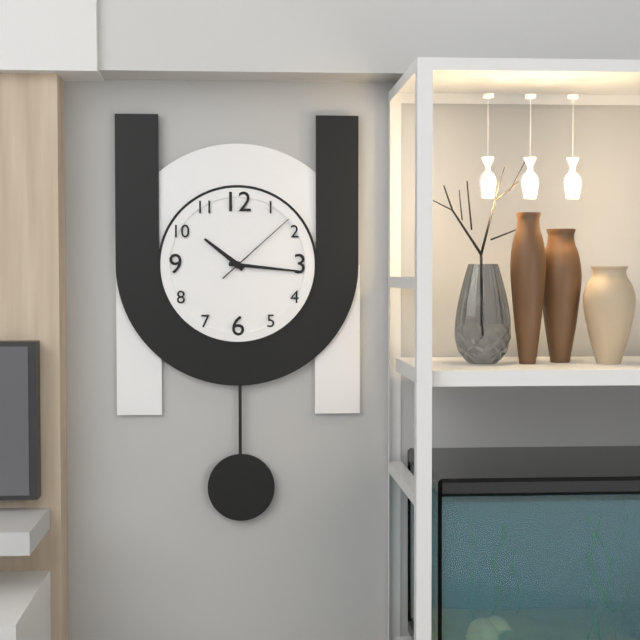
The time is h=10 m=16 s=8
